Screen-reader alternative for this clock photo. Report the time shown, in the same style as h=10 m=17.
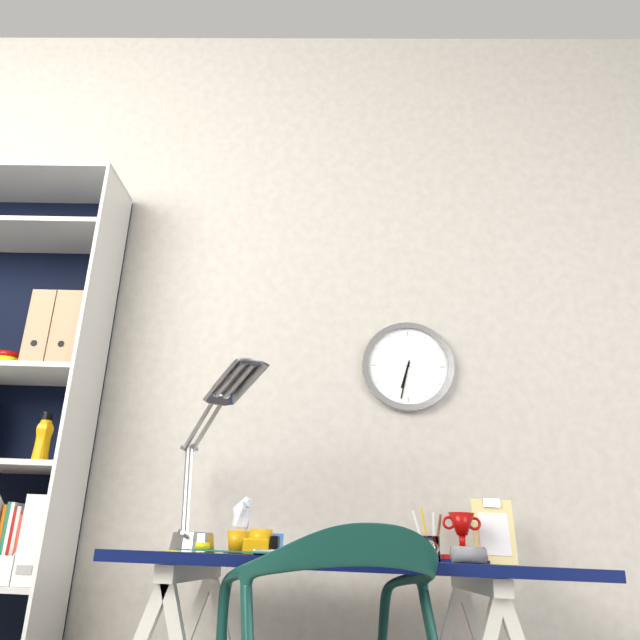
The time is h=6 m=32
